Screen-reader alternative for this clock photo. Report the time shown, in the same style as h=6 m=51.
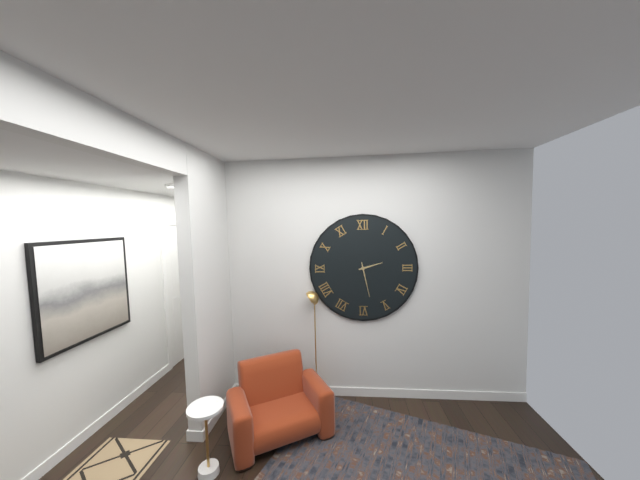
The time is h=2 m=28
